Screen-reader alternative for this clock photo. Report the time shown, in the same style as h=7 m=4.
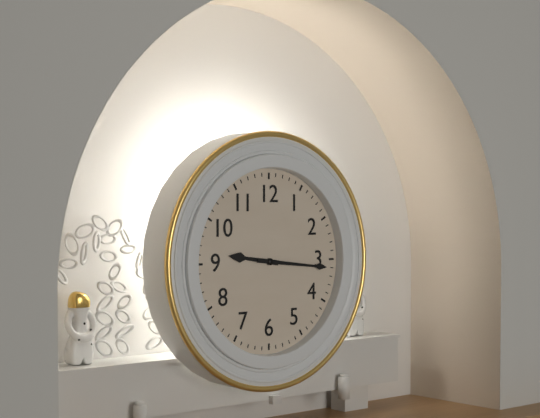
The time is h=9 m=16
